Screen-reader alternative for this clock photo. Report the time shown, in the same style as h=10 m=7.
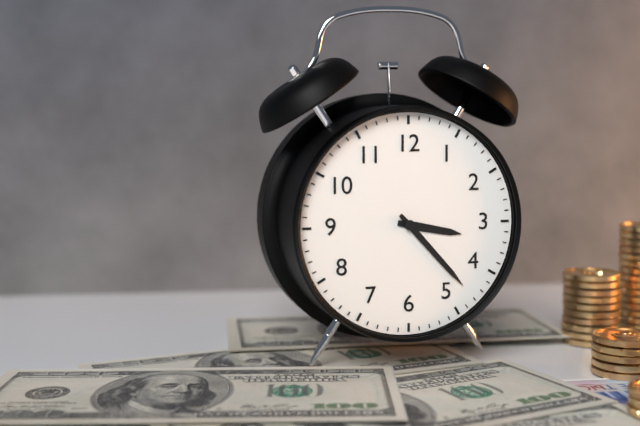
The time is h=3 m=23
